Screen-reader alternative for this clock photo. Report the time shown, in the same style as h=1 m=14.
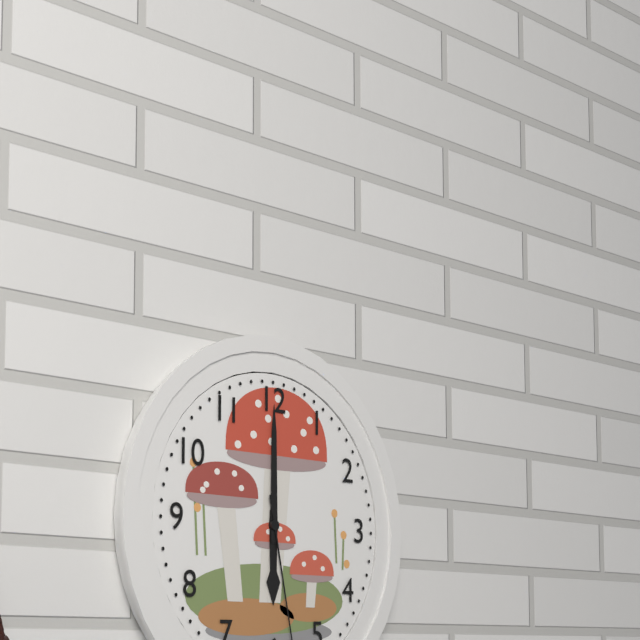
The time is h=6 m=0
